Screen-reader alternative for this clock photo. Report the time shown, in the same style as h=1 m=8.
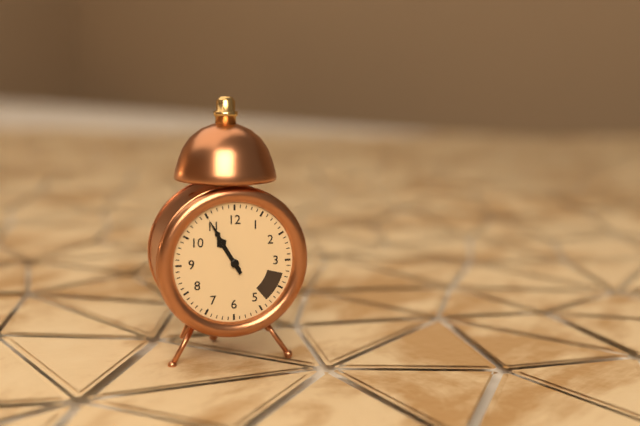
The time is h=10 m=55
